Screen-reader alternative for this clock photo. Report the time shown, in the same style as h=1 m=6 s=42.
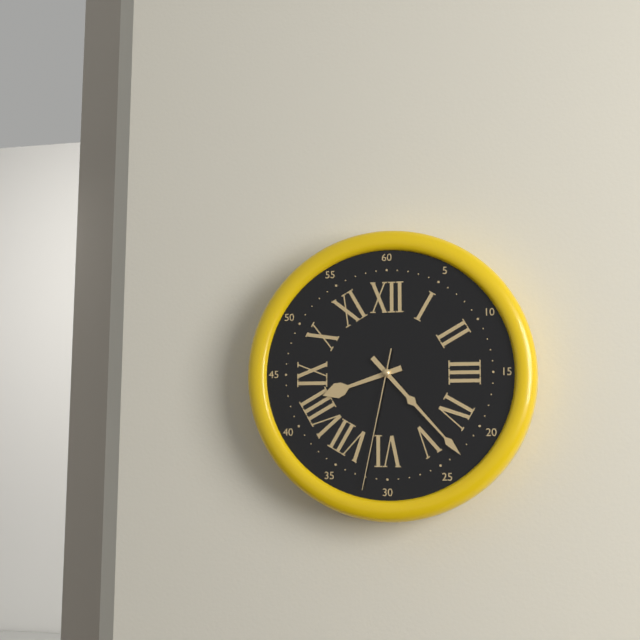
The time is h=8 m=23 s=32
